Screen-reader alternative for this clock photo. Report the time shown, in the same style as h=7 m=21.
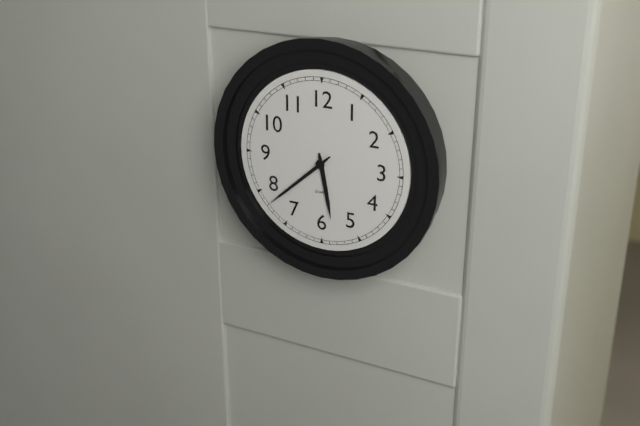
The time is h=5 m=38
